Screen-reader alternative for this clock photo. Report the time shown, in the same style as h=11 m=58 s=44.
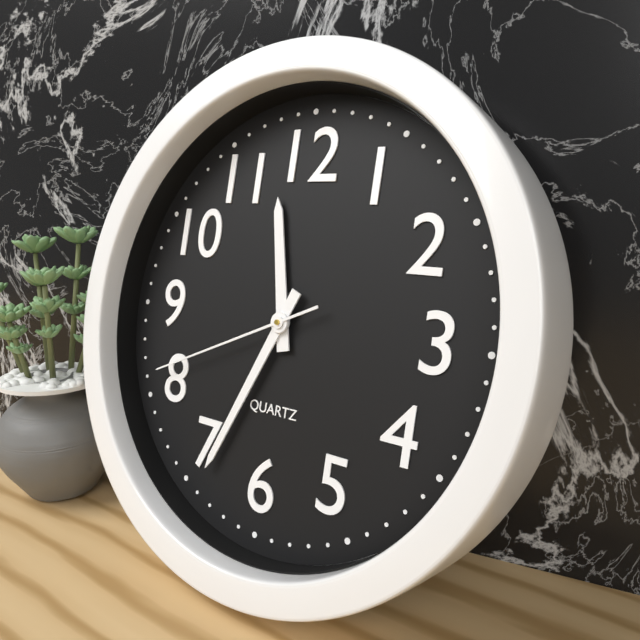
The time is h=11 m=34 s=41
